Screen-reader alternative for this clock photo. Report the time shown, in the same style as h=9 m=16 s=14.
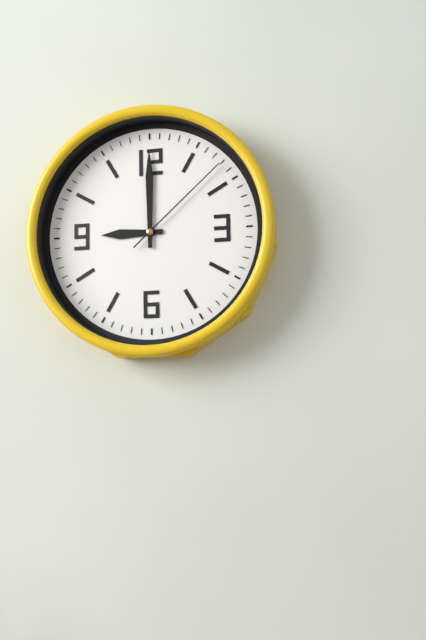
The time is h=9 m=0 s=8
